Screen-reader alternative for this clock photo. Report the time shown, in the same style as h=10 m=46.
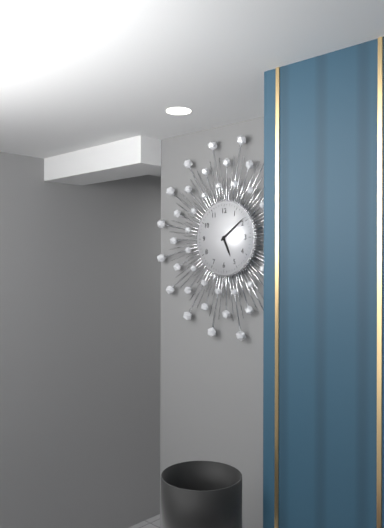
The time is h=5 m=9
